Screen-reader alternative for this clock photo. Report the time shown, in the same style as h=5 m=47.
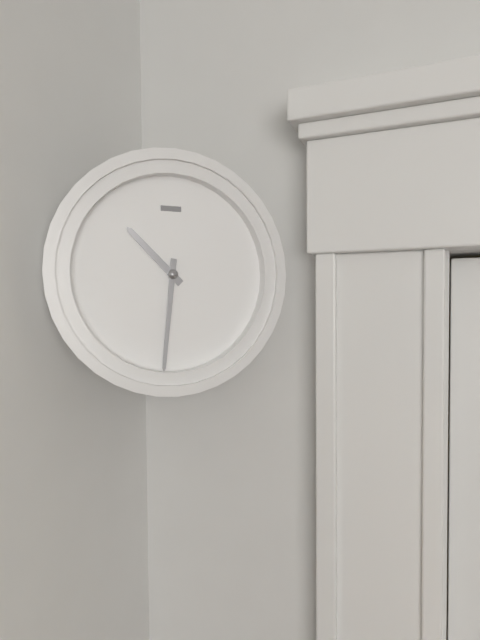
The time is h=10 m=31
